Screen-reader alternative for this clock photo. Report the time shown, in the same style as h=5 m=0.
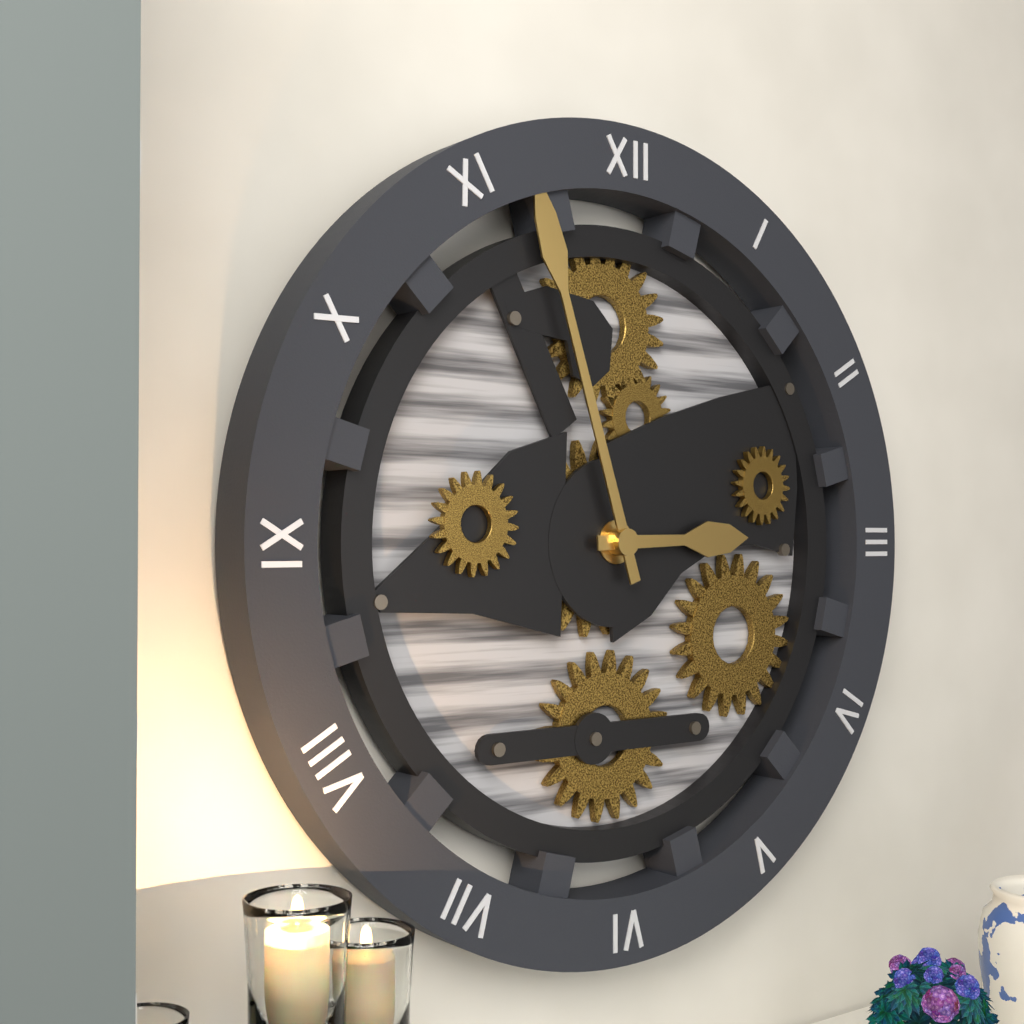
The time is h=2 m=57
